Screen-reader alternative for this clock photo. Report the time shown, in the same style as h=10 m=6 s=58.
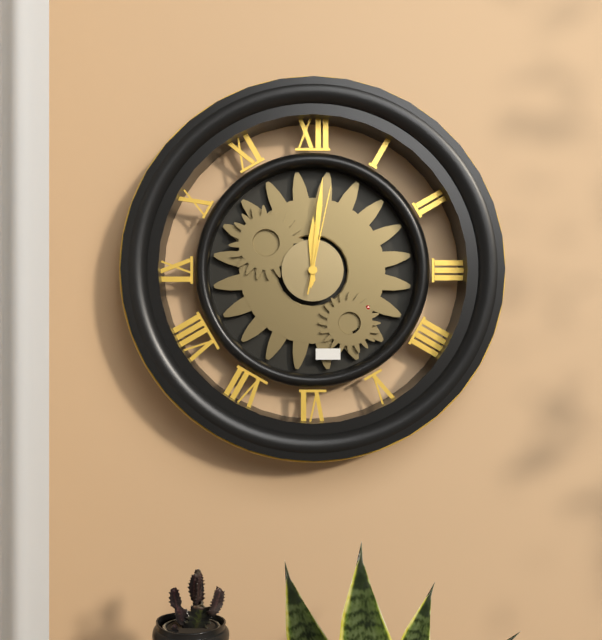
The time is h=12 m=1 s=2
